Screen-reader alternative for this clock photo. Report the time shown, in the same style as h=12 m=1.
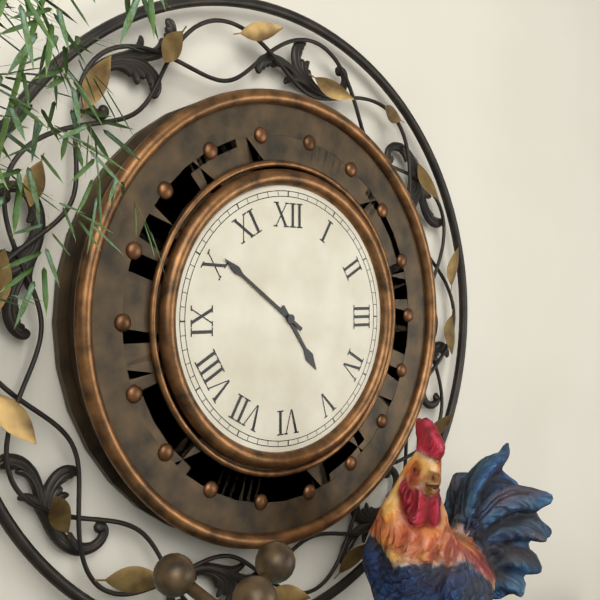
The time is h=4 m=51
